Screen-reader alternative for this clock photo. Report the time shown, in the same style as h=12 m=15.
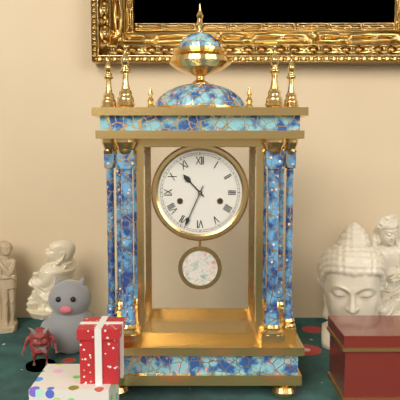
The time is h=10 m=34
